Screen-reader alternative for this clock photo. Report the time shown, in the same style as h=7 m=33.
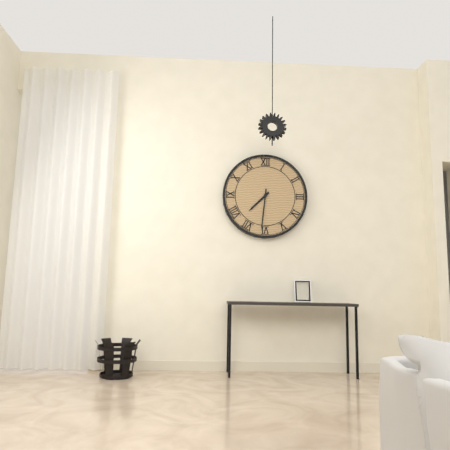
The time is h=7 m=31
